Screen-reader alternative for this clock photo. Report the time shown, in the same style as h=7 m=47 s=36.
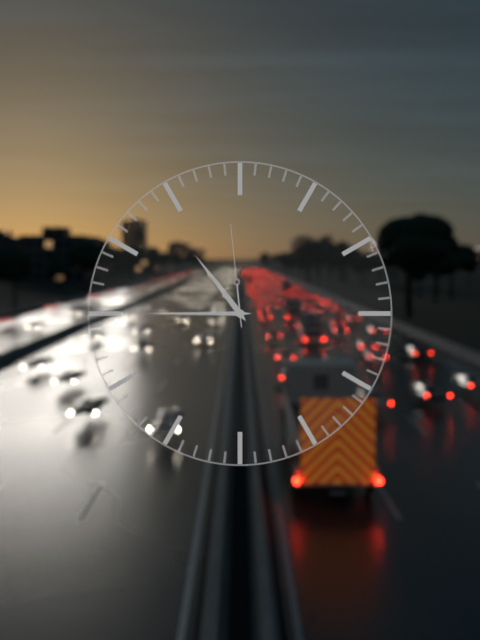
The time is h=10 m=45 s=59
